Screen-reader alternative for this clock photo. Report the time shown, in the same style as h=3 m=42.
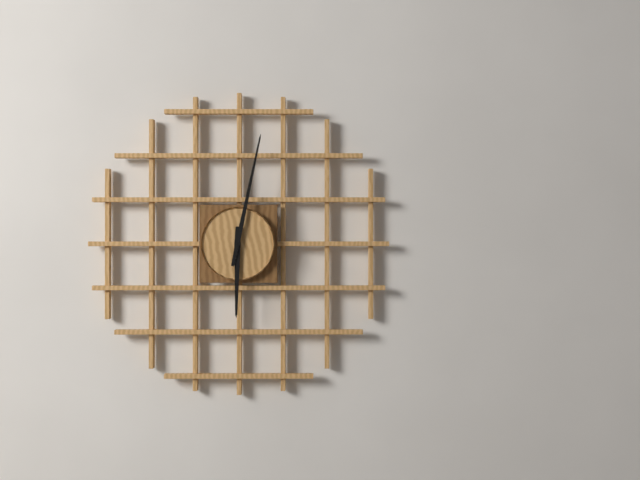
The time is h=6 m=2
